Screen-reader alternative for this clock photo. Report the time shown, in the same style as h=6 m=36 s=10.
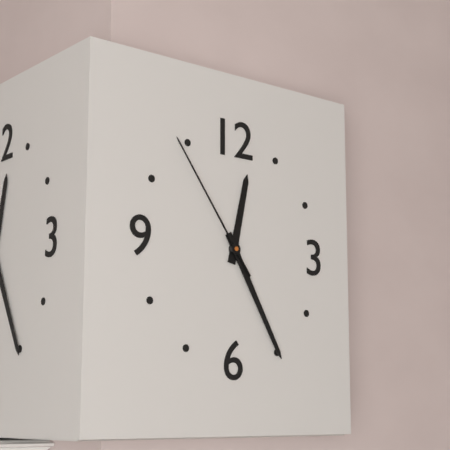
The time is h=12 m=25 s=54
